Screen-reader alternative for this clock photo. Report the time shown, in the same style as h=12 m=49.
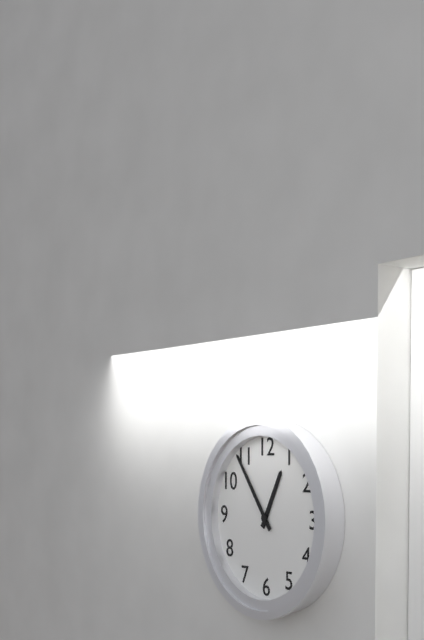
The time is h=12 m=54
